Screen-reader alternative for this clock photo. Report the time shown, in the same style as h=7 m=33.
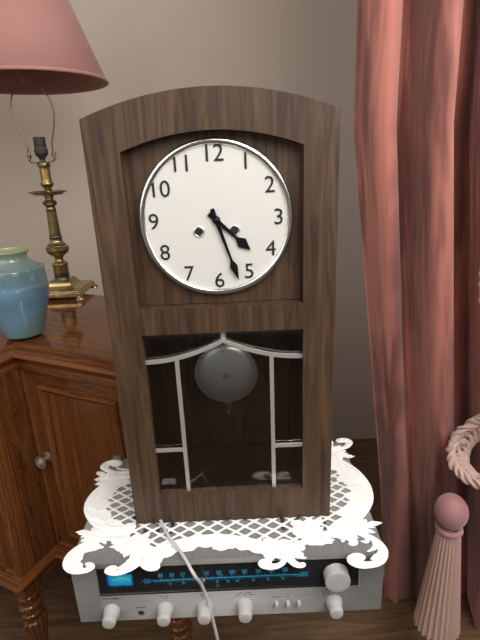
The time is h=4 m=27
